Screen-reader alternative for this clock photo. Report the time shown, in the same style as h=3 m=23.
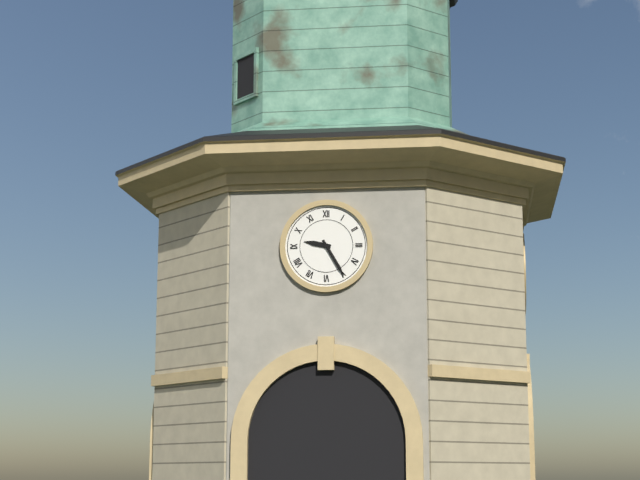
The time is h=9 m=25
